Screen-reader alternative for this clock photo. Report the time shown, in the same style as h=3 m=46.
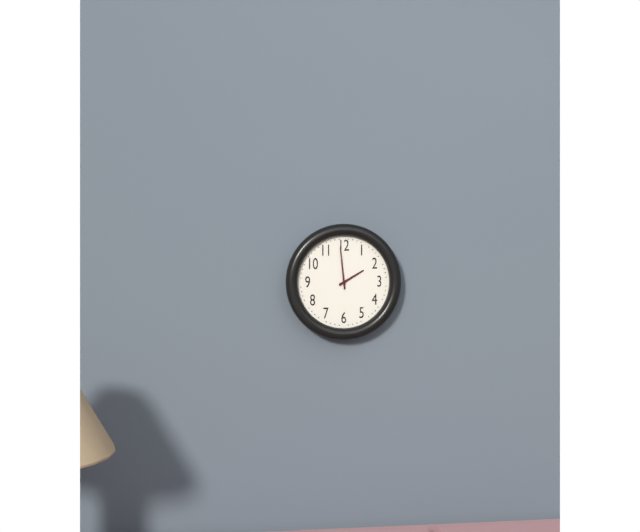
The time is h=1 m=59
